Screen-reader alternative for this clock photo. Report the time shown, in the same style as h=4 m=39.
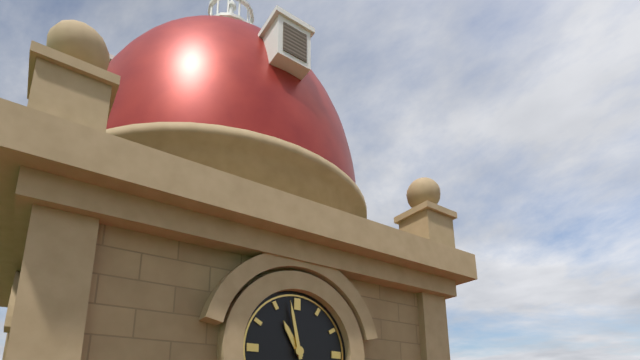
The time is h=10 m=58
